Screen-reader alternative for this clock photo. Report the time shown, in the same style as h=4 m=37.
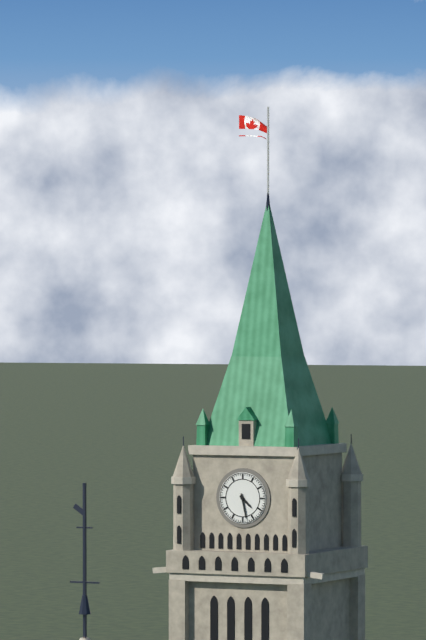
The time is h=4 m=28
